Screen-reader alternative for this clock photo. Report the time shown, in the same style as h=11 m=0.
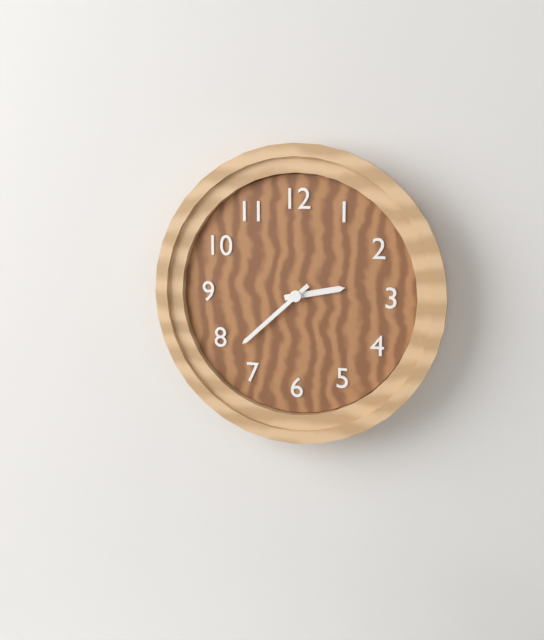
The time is h=2 m=38
